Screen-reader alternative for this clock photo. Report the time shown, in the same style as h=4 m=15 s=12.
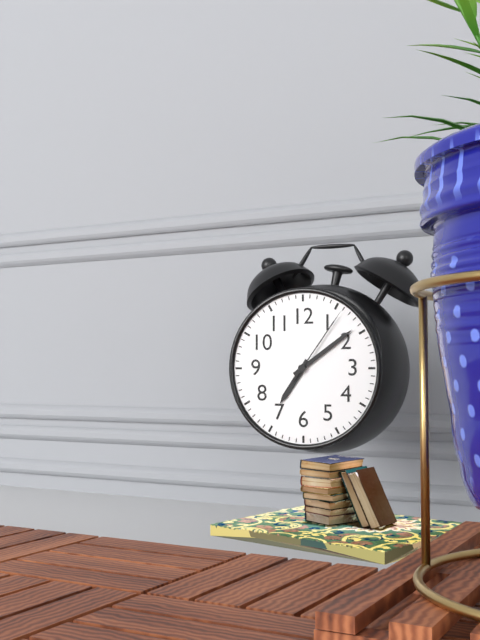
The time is h=7 m=9 s=6
